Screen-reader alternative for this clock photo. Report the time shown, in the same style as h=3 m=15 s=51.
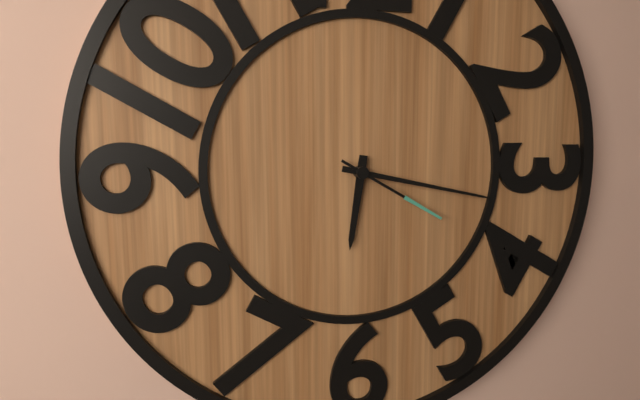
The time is h=6 m=17 s=20
